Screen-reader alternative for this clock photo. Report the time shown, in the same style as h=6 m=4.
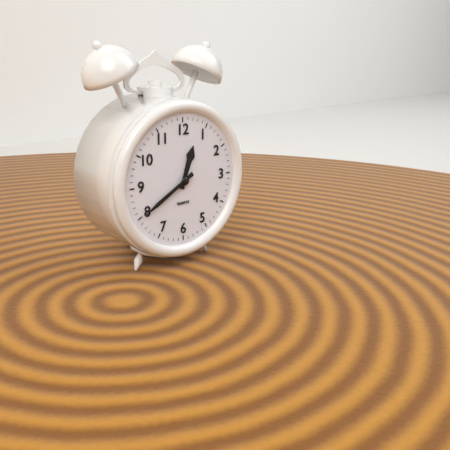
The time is h=12 m=40
